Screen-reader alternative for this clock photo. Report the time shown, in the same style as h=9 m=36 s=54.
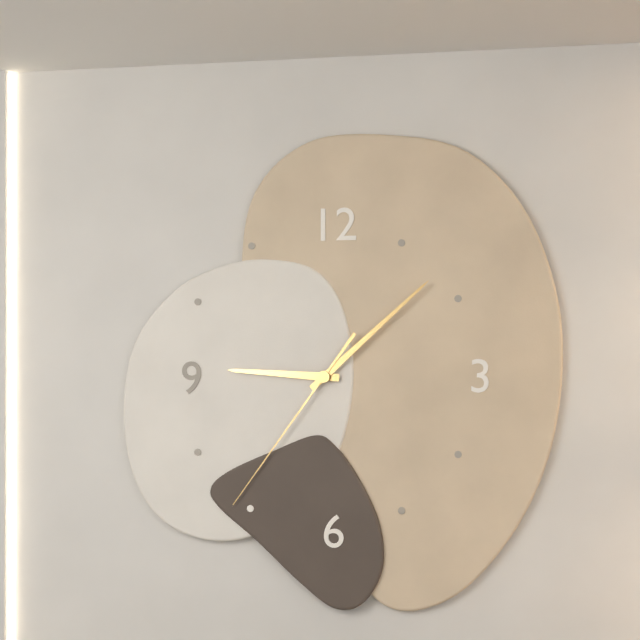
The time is h=9 m=8 s=36
